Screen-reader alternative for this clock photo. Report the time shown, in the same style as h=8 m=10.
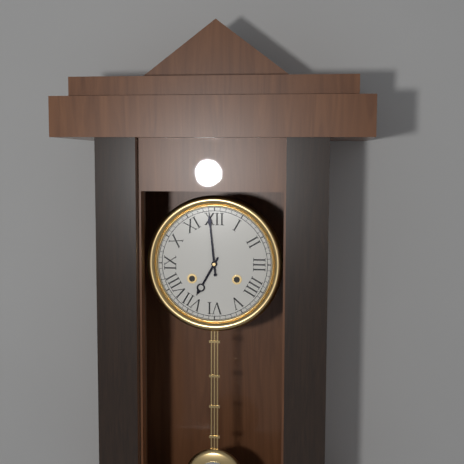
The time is h=6 m=59
